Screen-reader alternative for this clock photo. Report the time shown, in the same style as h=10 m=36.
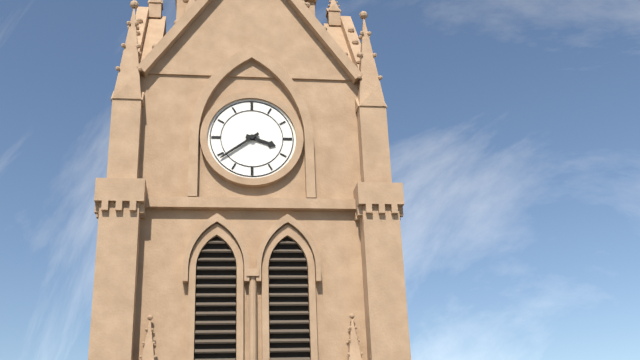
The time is h=3 m=39
